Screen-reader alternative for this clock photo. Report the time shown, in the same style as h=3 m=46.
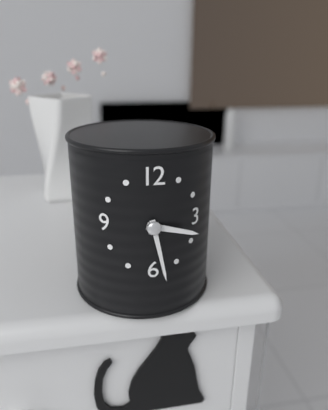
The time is h=3 m=28
